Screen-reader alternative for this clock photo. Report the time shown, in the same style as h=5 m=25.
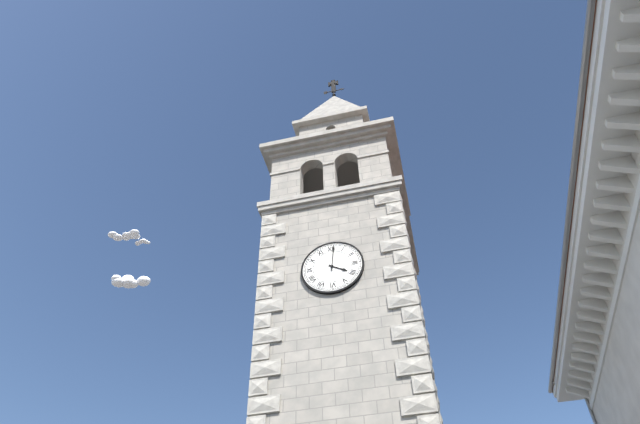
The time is h=4 m=1
